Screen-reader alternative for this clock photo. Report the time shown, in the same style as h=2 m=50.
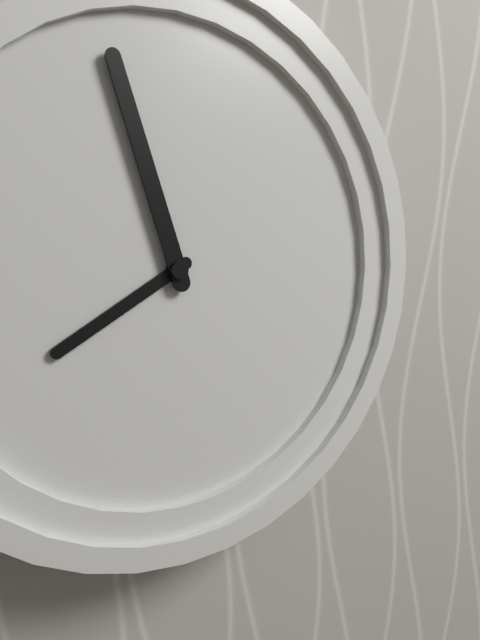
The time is h=7 m=57
